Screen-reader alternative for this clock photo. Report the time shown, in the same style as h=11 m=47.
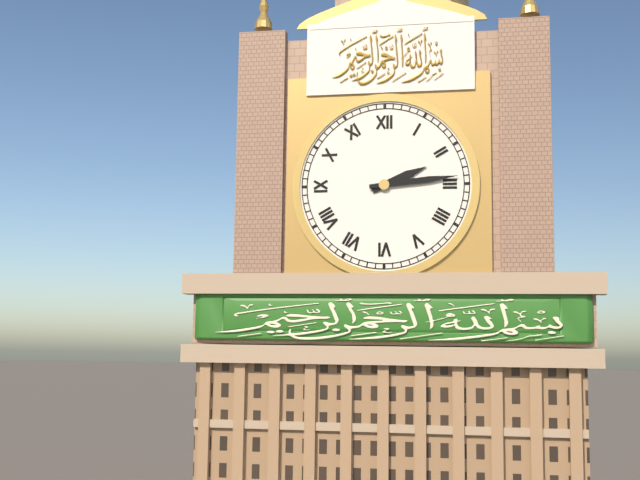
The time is h=2 m=14
